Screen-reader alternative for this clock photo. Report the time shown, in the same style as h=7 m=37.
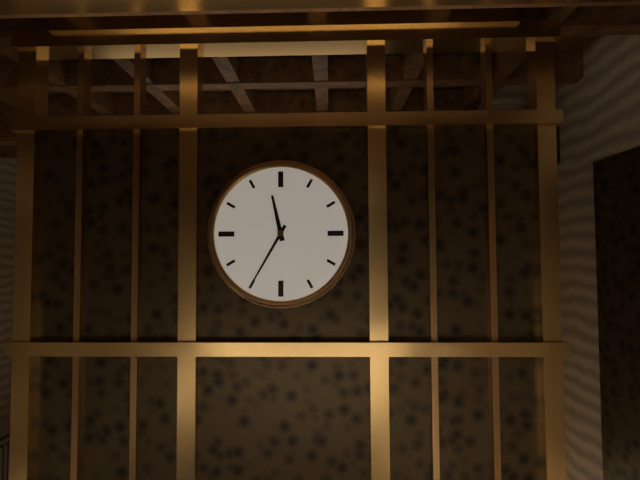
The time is h=11 m=35
